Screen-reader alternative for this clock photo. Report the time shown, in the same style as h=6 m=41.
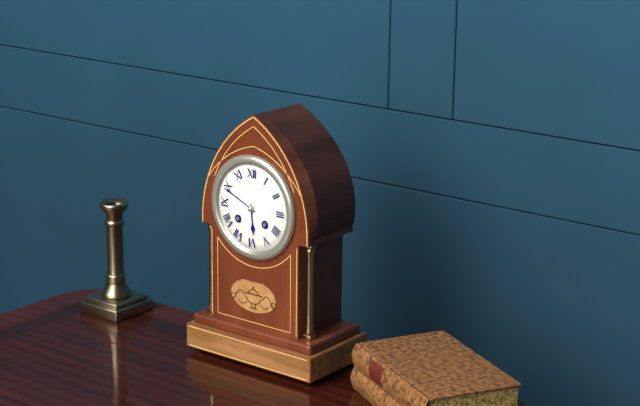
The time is h=5 m=49
